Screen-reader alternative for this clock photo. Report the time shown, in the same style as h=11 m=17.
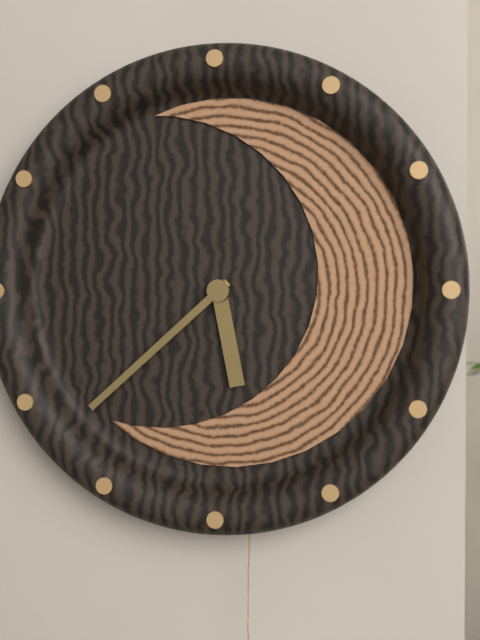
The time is h=5 m=38
